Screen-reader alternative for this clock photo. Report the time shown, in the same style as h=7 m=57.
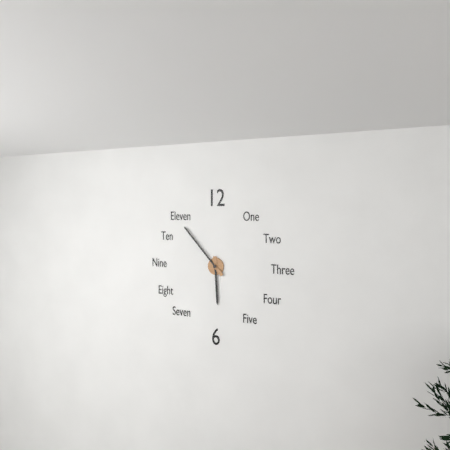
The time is h=5 m=53
